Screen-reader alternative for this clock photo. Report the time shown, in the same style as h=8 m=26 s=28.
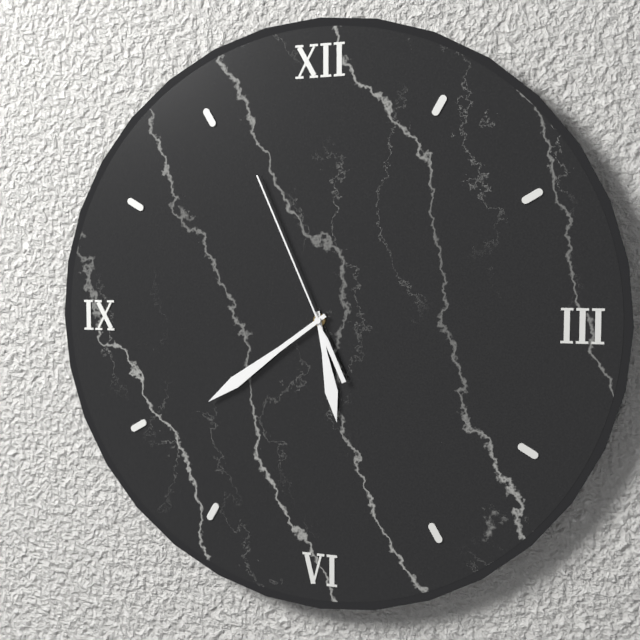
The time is h=5 m=39 s=56
